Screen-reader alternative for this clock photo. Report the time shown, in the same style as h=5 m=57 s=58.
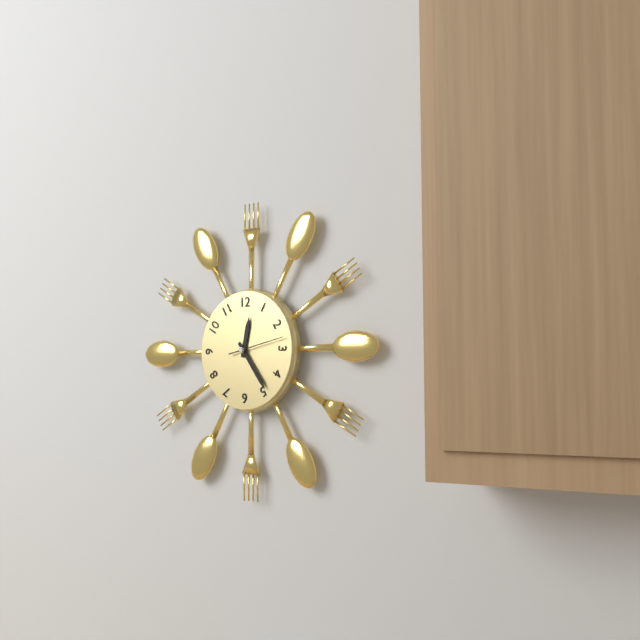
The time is h=12 m=24 s=13
